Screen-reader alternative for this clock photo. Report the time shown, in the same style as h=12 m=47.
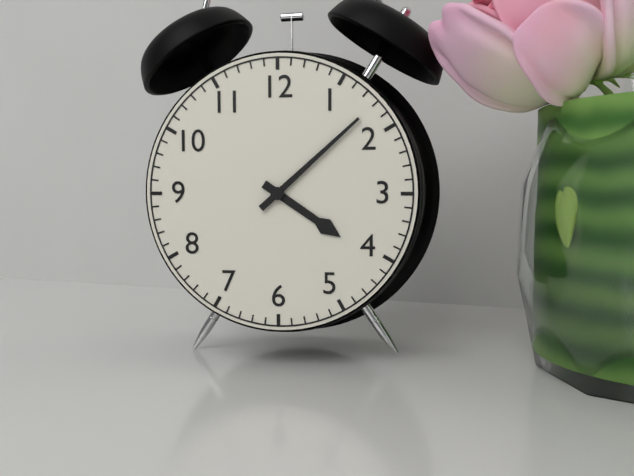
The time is h=4 m=8
